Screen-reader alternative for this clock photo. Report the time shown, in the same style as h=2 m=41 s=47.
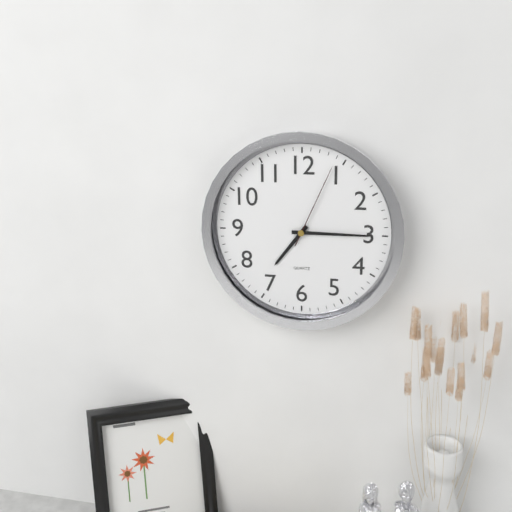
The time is h=7 m=15 s=4
